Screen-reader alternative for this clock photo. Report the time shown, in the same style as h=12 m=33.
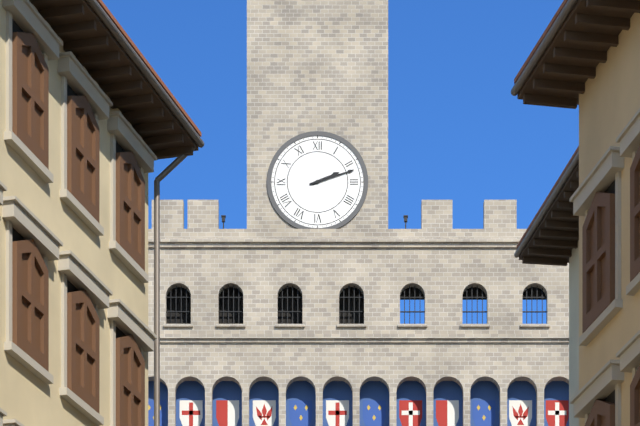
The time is h=2 m=12
